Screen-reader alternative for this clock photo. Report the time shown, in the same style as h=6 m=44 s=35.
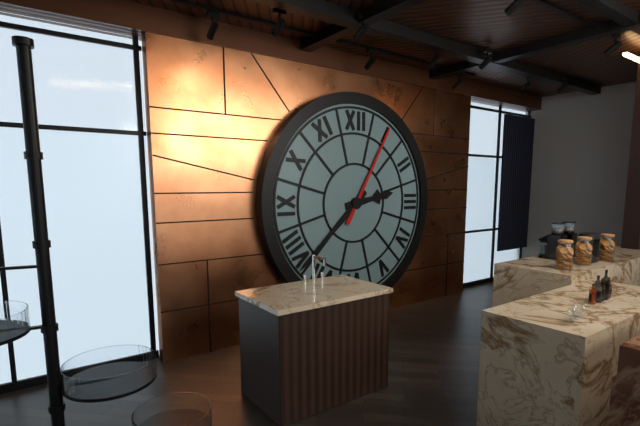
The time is h=2 m=38 s=5
